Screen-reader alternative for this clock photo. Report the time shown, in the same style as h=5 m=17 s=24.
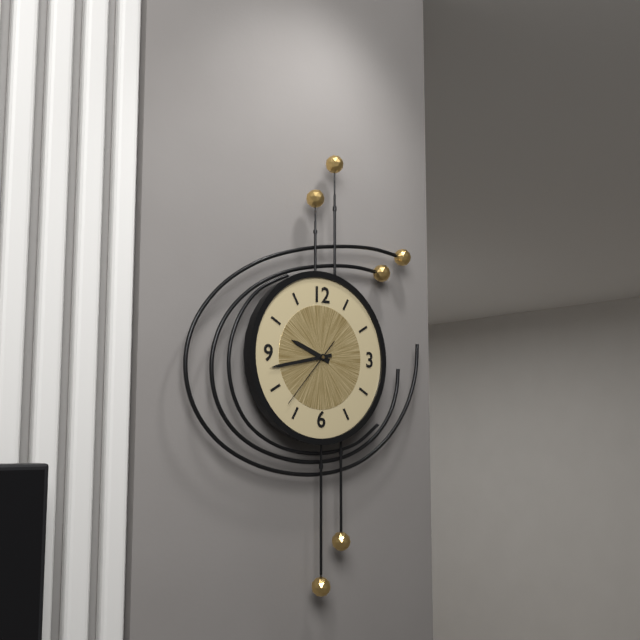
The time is h=9 m=43 s=37
